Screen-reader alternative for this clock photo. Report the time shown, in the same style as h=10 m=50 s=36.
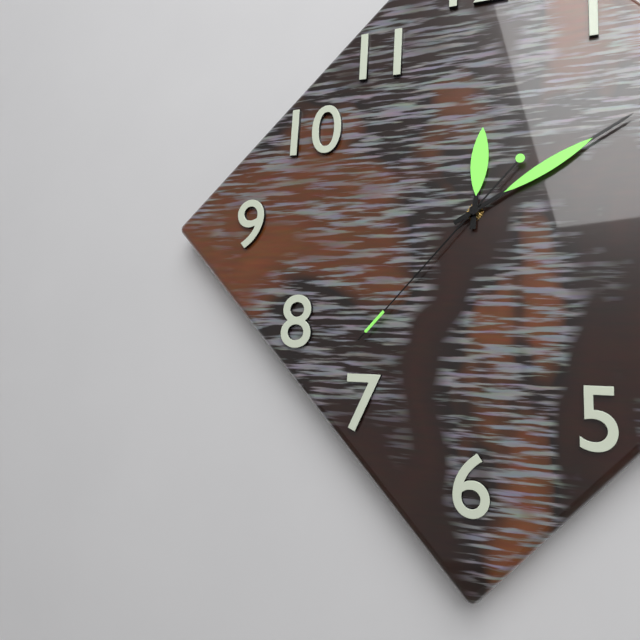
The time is h=12 m=10 s=37
